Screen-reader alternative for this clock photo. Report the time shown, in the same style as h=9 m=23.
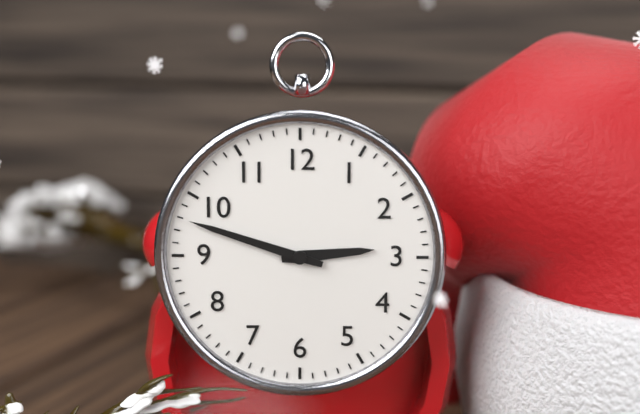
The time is h=2 m=48
